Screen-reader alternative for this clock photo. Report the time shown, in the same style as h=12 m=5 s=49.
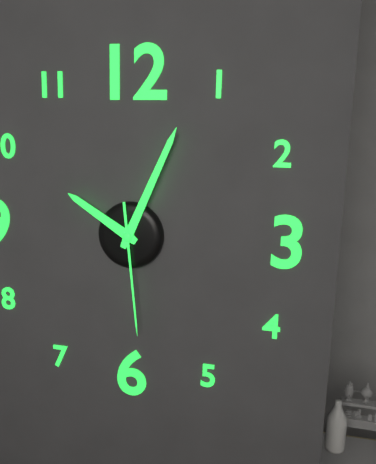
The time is h=10 m=4 s=29
